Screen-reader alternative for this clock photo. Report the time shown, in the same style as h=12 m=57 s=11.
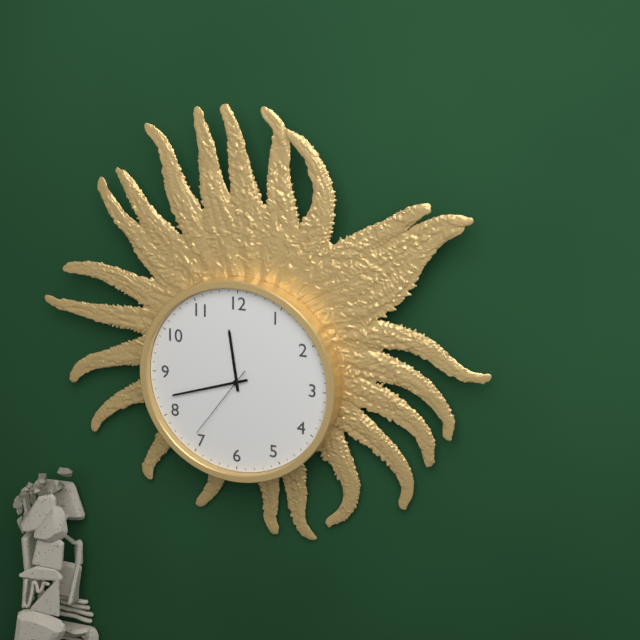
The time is h=11 m=42 s=36
